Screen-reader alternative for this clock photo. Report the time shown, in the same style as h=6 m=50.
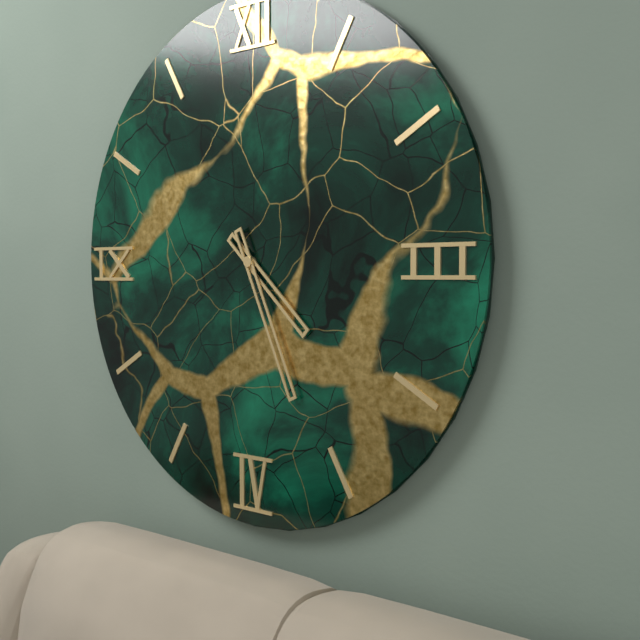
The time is h=4 m=26
